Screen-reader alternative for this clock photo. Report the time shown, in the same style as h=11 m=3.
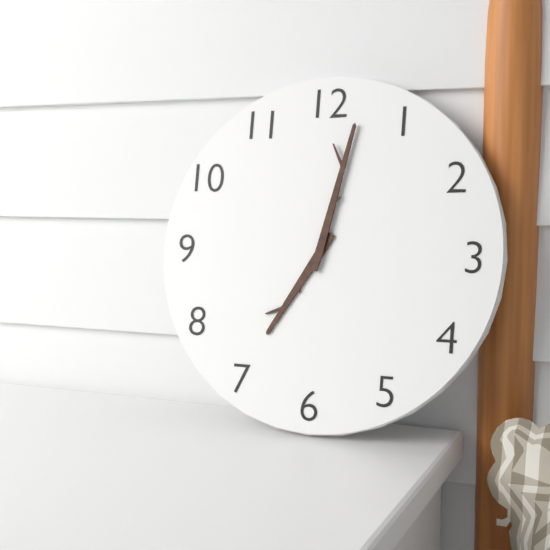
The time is h=7 m=2
